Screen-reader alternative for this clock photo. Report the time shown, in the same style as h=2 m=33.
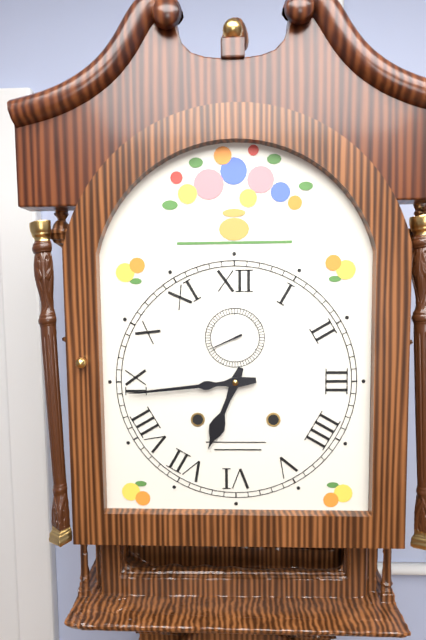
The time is h=6 m=44
